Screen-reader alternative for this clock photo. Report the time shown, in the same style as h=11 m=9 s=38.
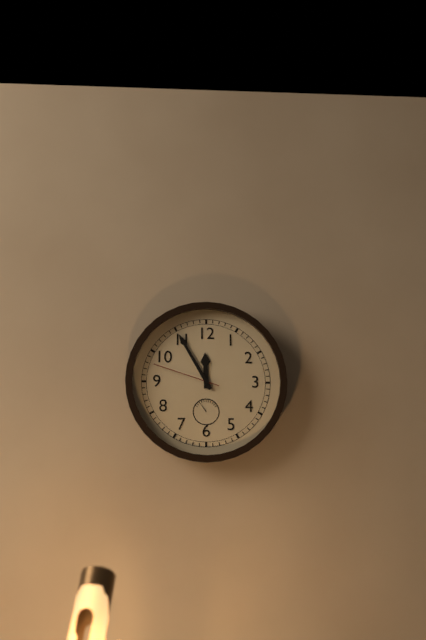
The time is h=11 m=55 s=48
